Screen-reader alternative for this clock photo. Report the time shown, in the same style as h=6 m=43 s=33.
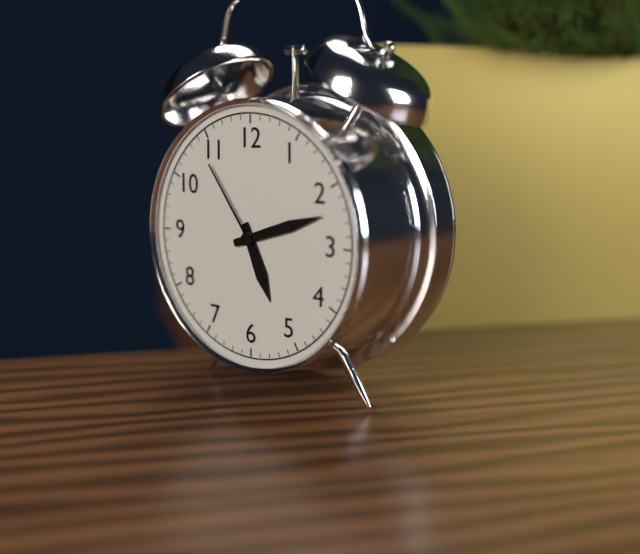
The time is h=5 m=12 s=54
